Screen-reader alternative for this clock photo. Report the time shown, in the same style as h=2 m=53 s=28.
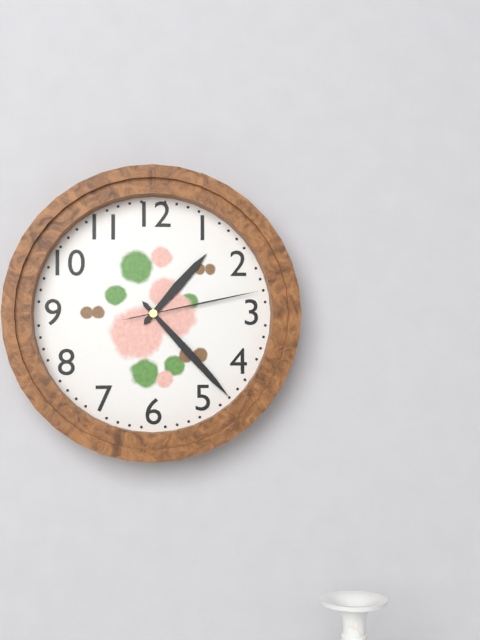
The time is h=1 m=23 s=13
